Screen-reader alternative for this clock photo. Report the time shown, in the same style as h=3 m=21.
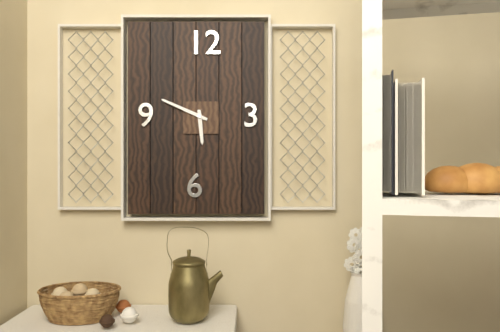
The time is h=5 m=49
